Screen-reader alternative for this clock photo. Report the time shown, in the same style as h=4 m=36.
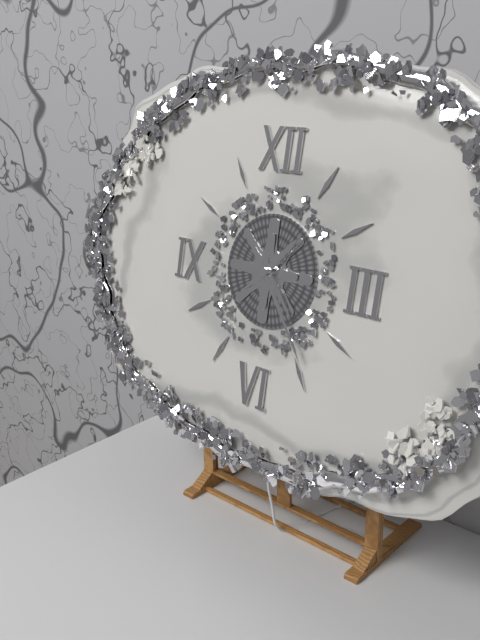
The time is h=1 m=24
